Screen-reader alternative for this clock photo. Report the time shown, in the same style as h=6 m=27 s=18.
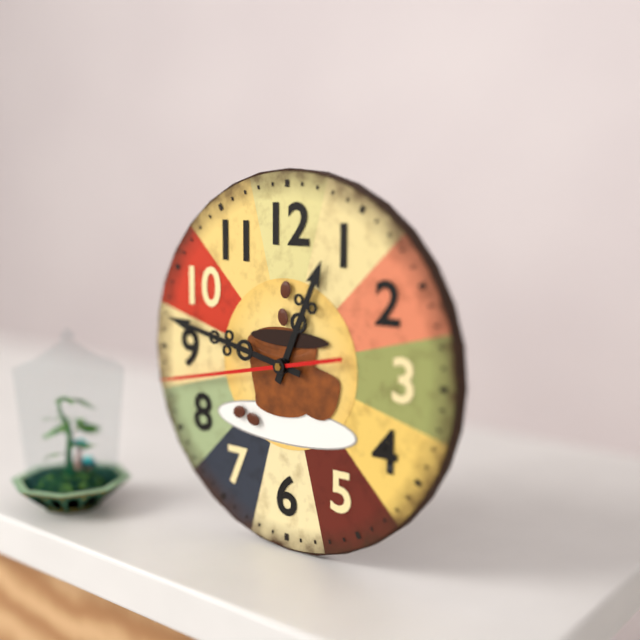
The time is h=12 m=47 s=43
